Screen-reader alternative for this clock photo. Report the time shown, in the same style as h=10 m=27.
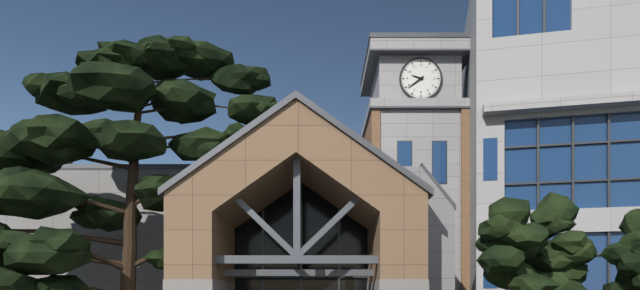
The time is h=9 m=39
